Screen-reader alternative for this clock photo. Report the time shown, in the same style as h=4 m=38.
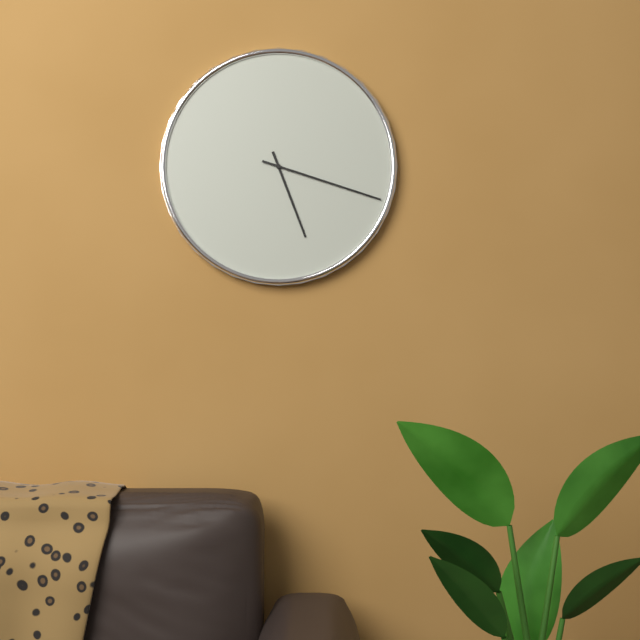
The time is h=5 m=18
